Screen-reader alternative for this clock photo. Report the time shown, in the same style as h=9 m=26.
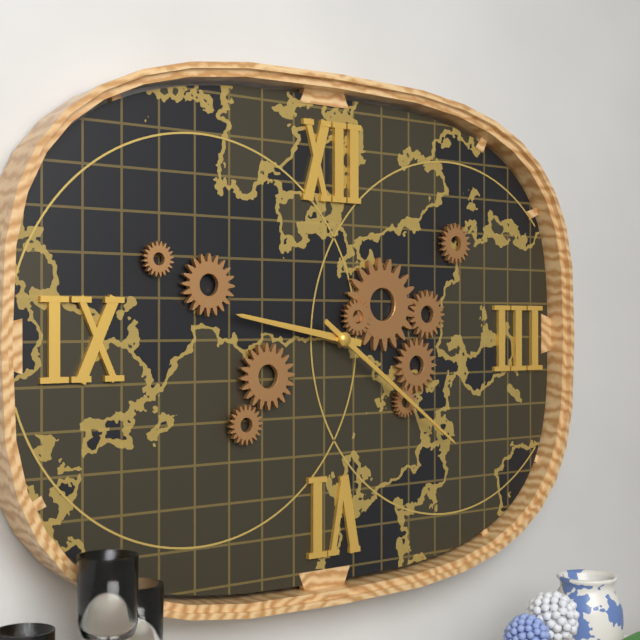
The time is h=9 m=21
